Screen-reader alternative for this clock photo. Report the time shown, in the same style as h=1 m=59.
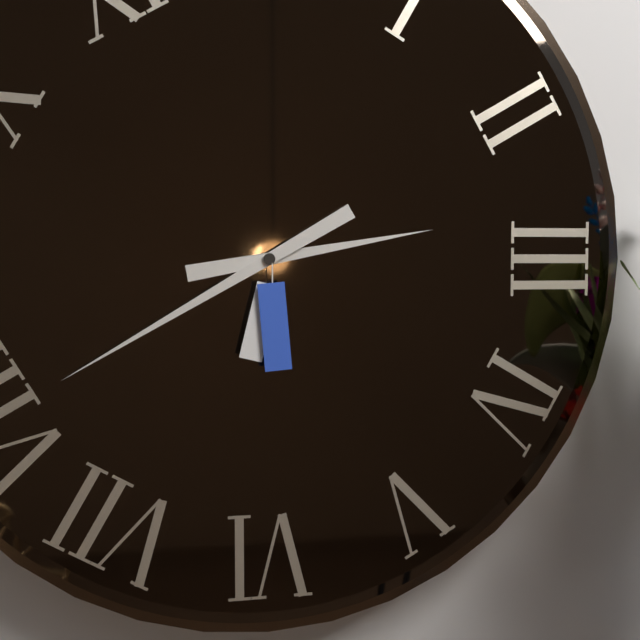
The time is h=2 m=40
